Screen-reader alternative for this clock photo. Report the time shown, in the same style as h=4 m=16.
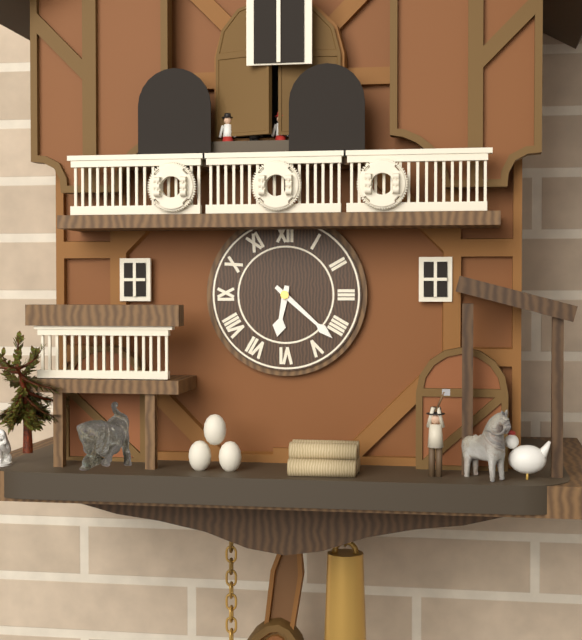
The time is h=6 m=22
